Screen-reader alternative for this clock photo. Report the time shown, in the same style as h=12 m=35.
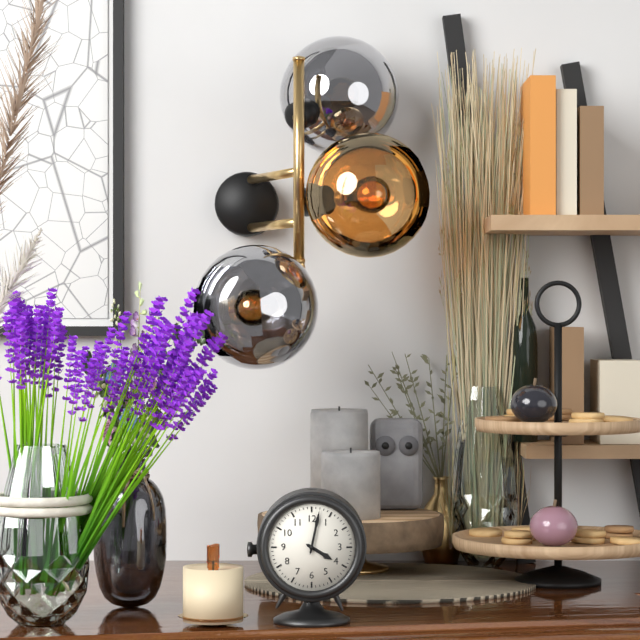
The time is h=4 m=2
